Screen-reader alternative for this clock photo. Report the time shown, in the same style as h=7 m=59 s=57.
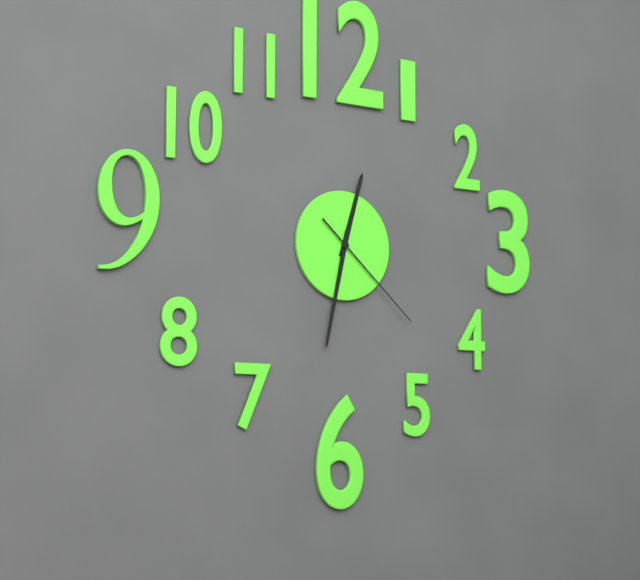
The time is h=12 m=32 s=22
